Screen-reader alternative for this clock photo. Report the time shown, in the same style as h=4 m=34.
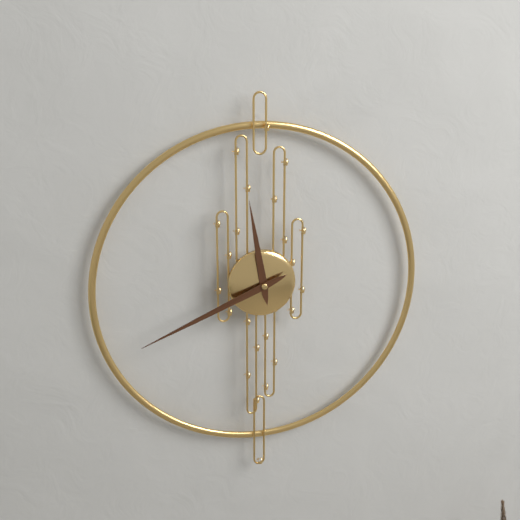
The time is h=11 m=41
